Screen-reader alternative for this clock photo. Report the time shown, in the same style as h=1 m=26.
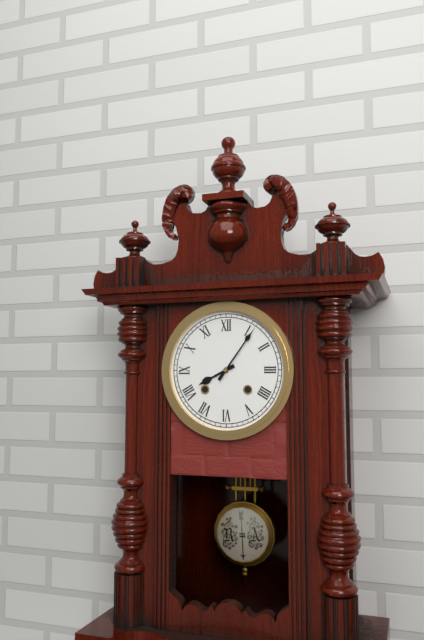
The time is h=8 m=6
